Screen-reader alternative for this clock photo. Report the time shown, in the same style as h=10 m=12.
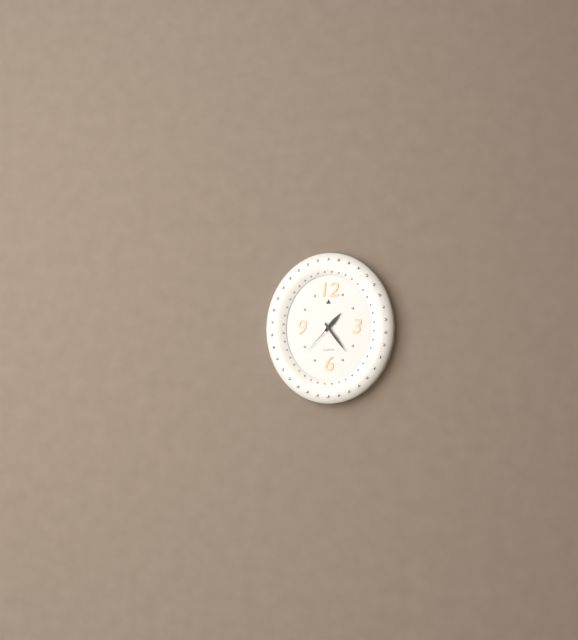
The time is h=1 m=24
